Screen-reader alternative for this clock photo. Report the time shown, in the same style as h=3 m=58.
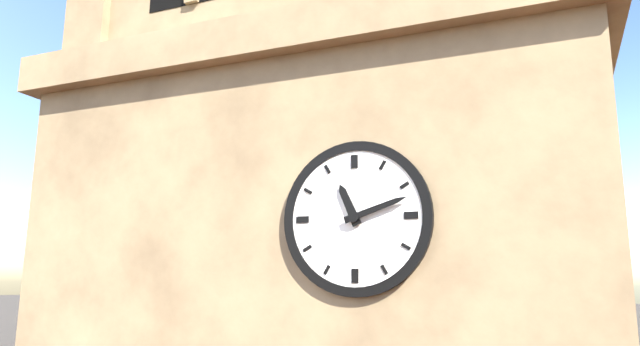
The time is h=11 m=12
